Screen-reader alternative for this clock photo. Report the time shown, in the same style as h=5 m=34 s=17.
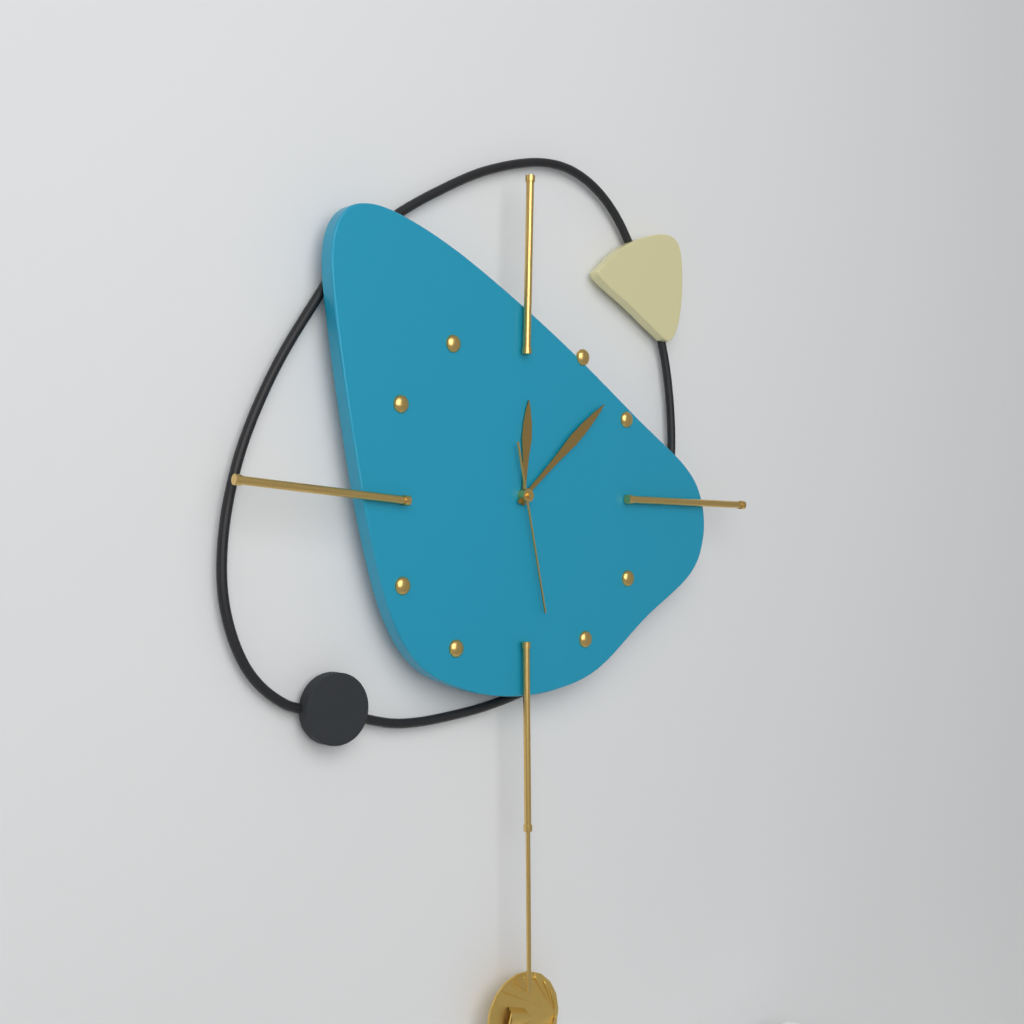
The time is h=12 m=8 s=28
